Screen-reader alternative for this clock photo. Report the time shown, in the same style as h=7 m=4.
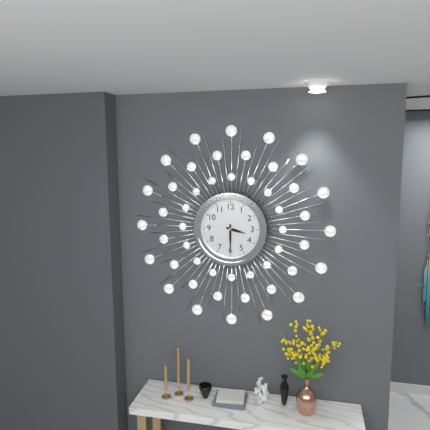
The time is h=3 m=30
